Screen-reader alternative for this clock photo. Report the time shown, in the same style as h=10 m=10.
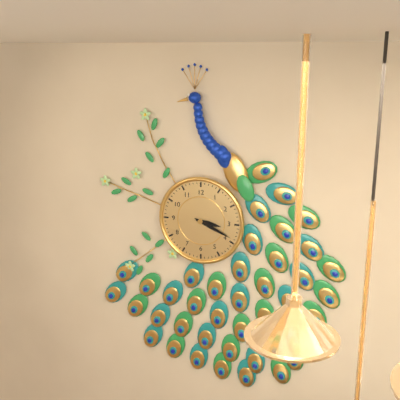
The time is h=3 m=19
